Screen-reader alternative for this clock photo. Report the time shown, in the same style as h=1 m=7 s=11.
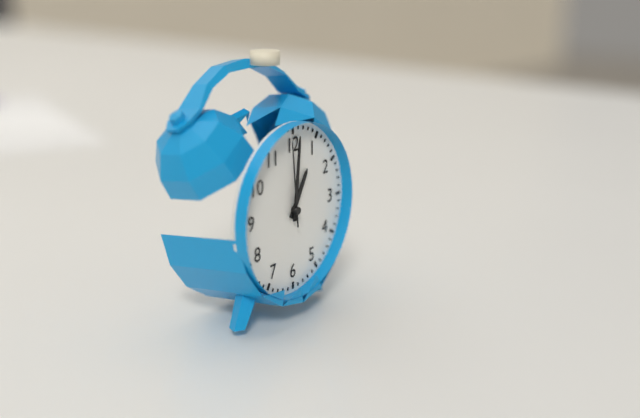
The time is h=1 m=1 s=59
